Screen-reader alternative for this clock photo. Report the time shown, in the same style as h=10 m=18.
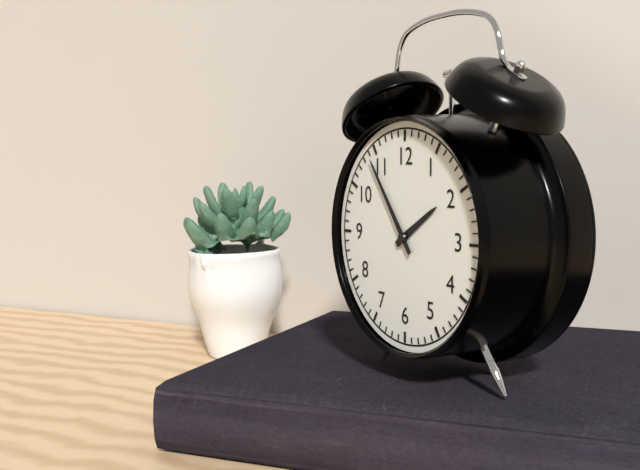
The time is h=1 m=54
